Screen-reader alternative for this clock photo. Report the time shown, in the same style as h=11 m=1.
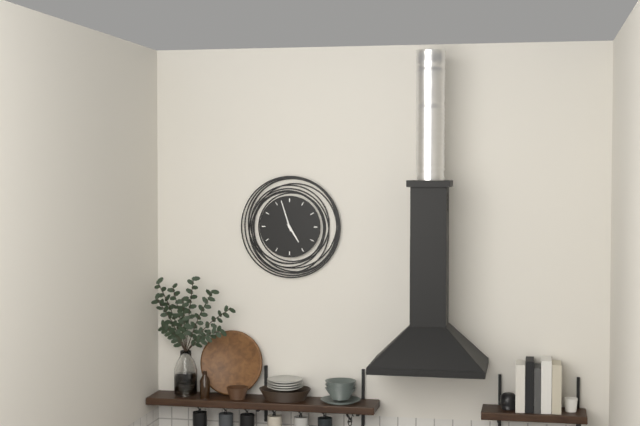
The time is h=4 m=57
